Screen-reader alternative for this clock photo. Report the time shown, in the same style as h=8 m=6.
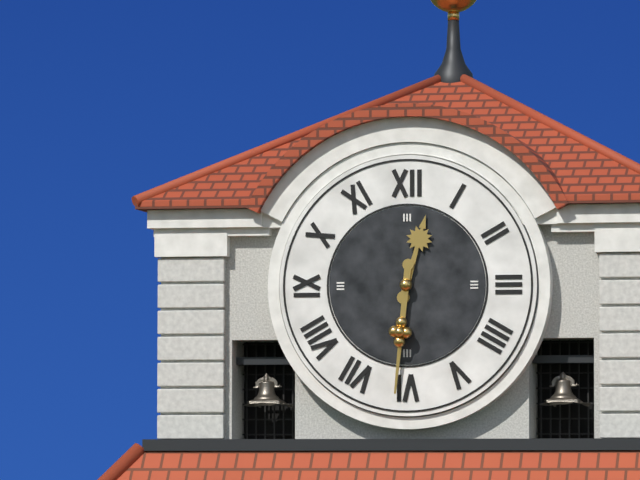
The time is h=12 m=31
